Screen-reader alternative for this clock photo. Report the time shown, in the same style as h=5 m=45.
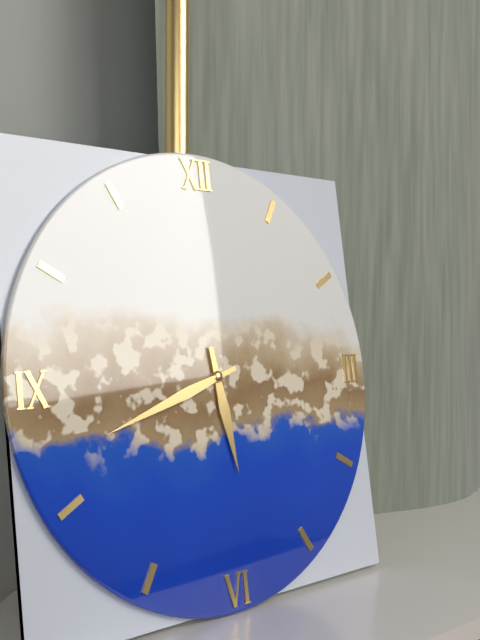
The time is h=5 m=42
